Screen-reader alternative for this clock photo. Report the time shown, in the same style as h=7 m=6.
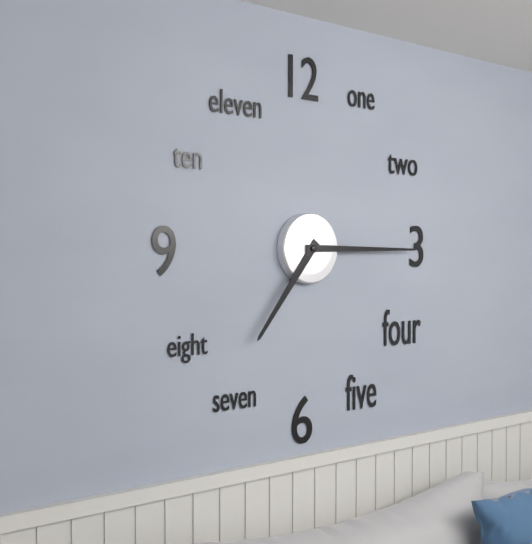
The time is h=7 m=15
